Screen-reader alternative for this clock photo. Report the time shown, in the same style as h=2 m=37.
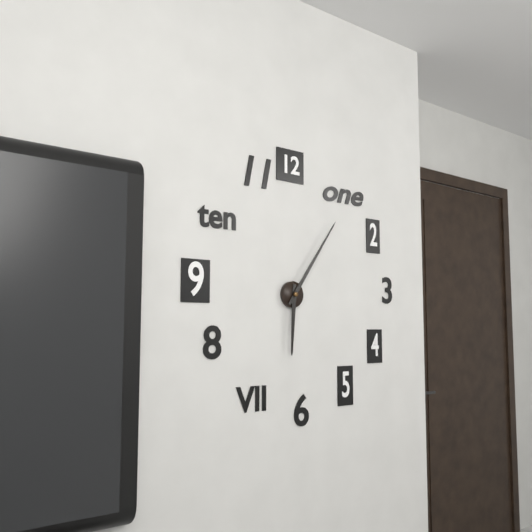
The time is h=6 m=6
